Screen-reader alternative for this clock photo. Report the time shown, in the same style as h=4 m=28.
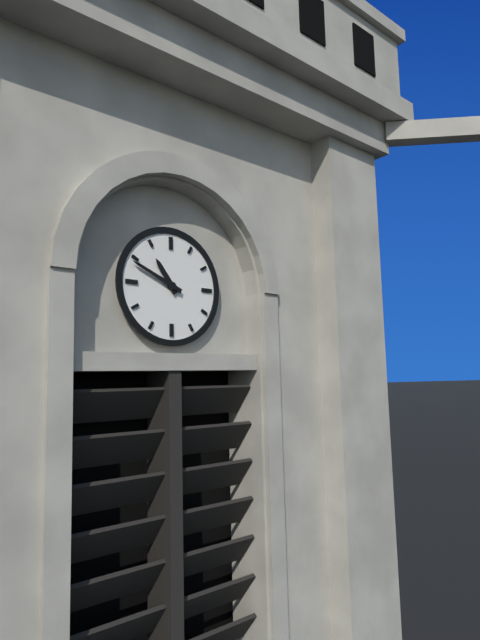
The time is h=10 m=49
